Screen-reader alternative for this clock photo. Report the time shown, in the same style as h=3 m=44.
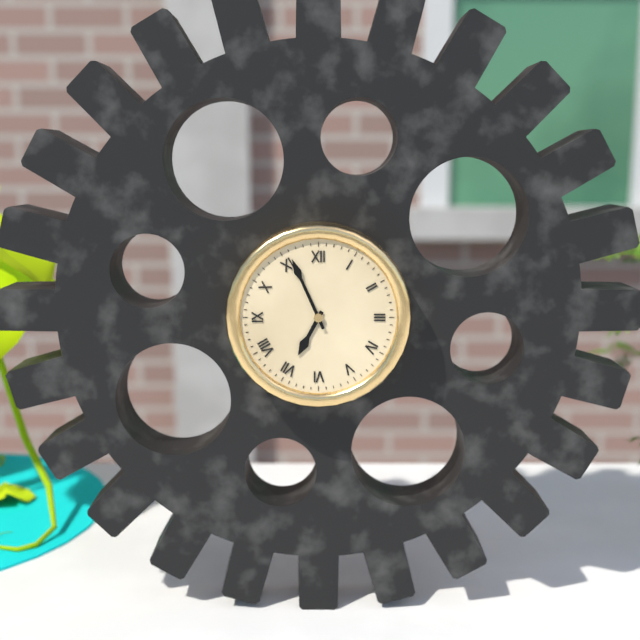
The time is h=6 m=56
